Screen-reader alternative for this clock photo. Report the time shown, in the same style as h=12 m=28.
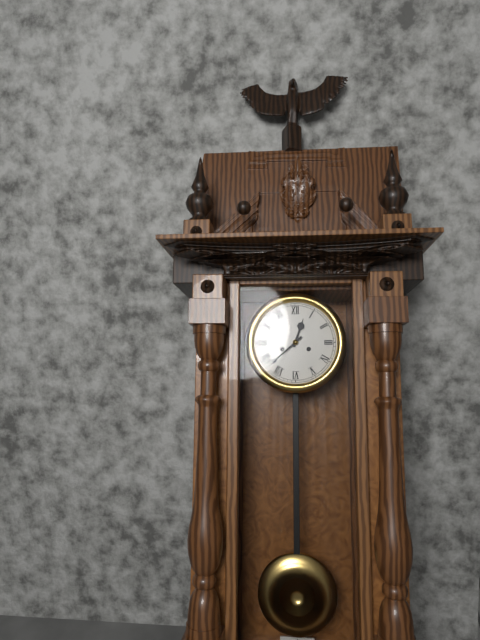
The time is h=12 m=38
